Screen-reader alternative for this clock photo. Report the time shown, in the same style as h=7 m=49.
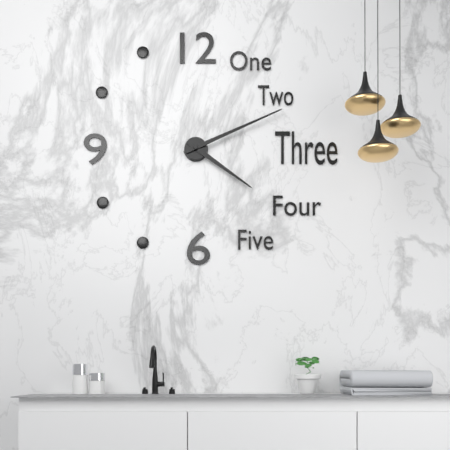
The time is h=4 m=11
